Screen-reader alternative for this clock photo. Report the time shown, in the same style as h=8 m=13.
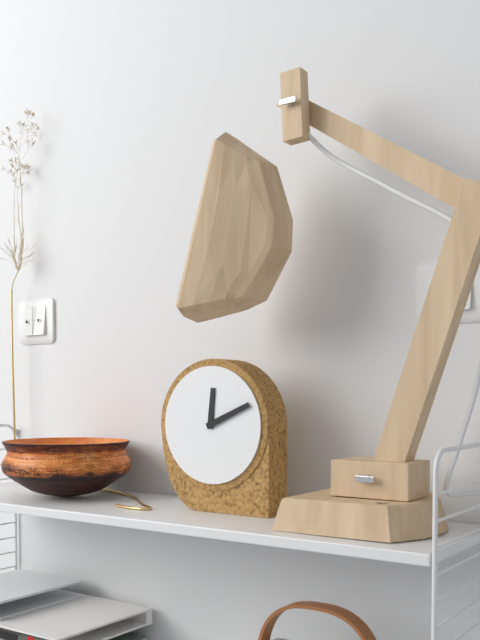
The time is h=12 m=11
